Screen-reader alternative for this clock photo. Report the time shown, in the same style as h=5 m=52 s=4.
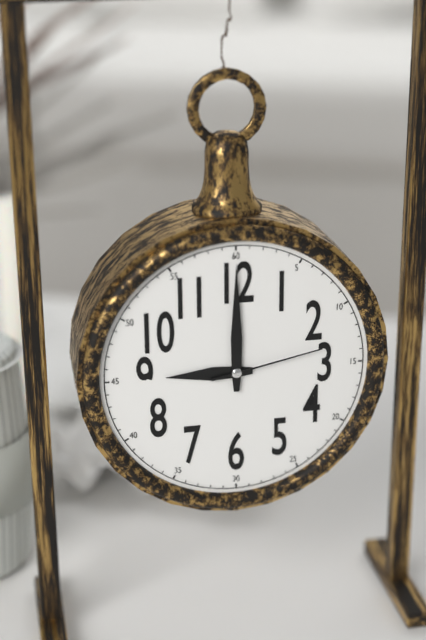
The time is h=9 m=0 s=13
